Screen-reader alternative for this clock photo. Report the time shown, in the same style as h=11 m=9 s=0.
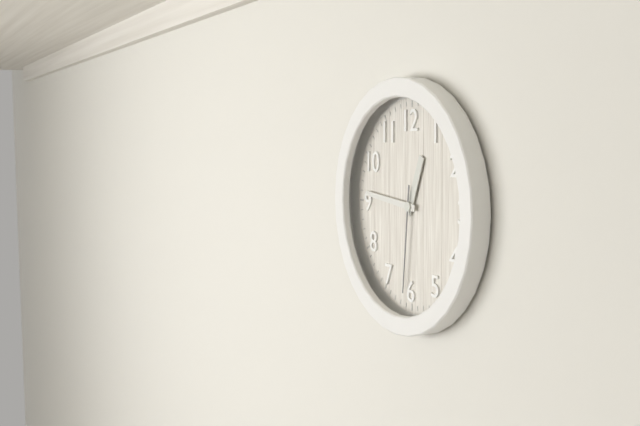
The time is h=12 m=46 s=31
